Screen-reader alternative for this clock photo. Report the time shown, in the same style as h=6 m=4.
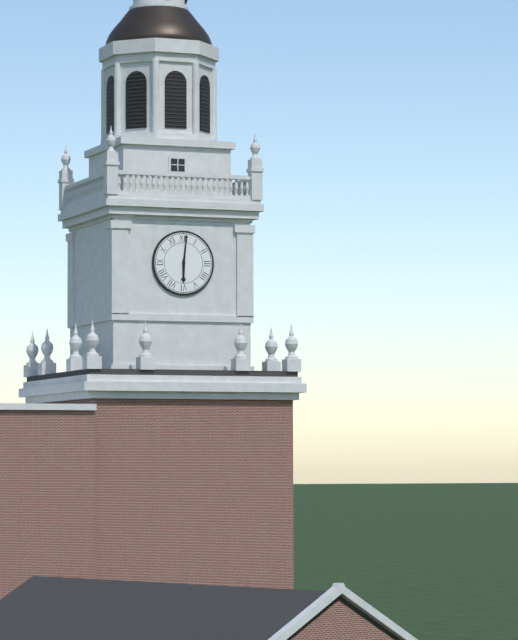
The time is h=6 m=1
